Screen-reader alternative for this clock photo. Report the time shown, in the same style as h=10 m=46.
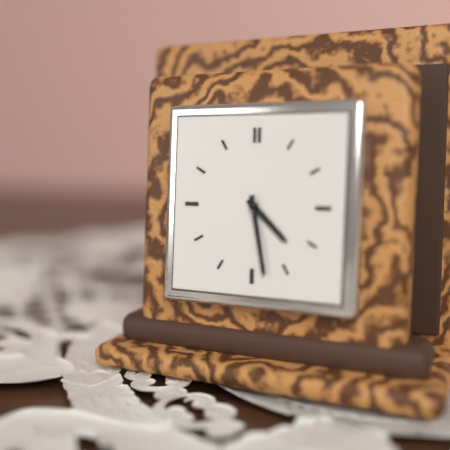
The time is h=4 m=28
